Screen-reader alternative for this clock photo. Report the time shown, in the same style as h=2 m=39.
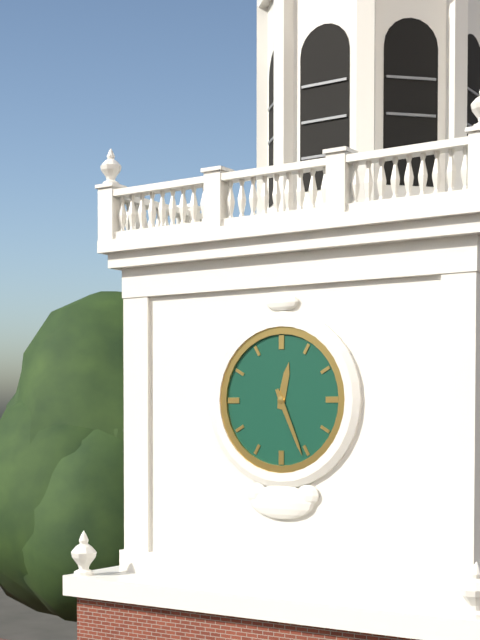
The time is h=12 m=26
